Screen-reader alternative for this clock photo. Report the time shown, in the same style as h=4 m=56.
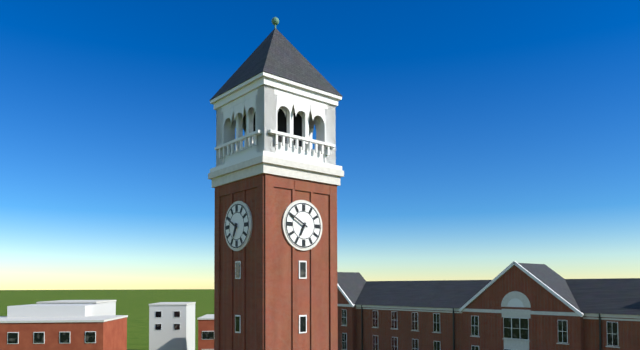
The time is h=6 m=50
